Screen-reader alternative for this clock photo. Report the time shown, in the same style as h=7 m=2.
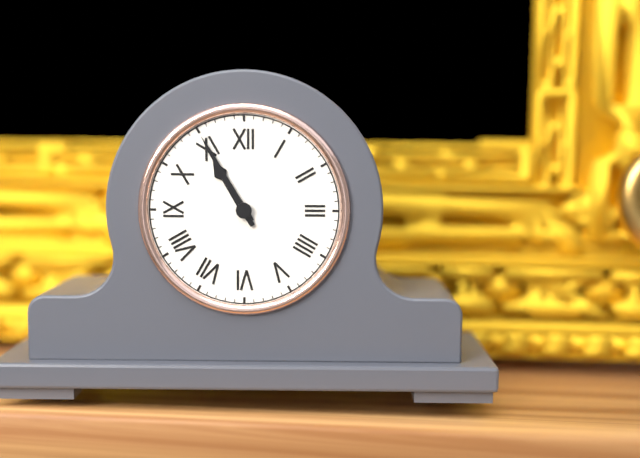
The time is h=10 m=55
